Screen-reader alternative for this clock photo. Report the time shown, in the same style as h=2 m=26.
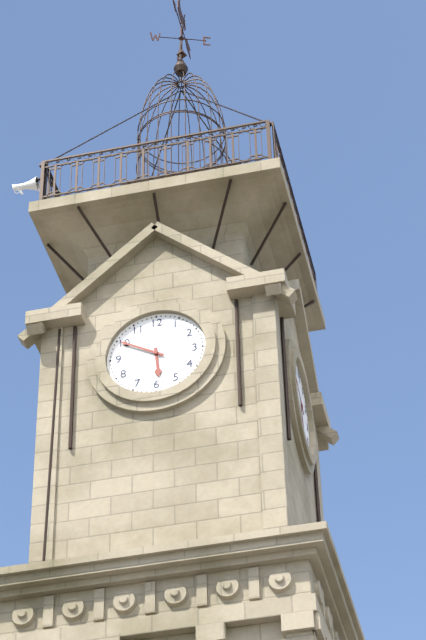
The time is h=5 m=50
